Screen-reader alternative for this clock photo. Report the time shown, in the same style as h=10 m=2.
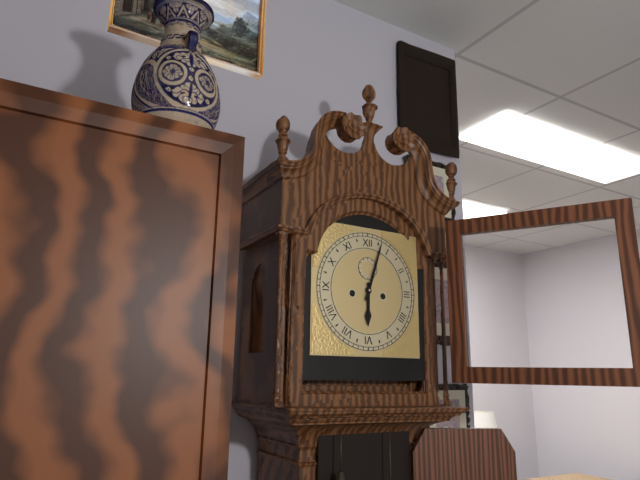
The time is h=6 m=3
